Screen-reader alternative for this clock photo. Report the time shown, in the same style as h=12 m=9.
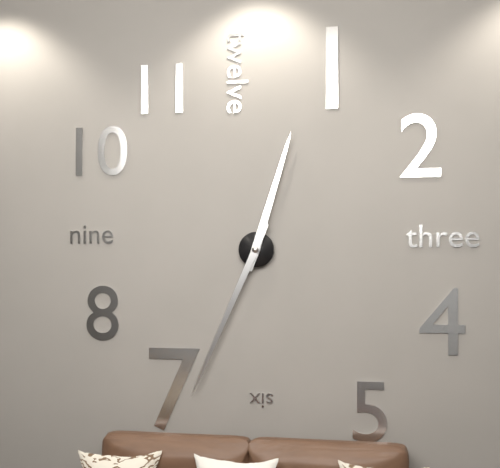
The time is h=12 m=34
